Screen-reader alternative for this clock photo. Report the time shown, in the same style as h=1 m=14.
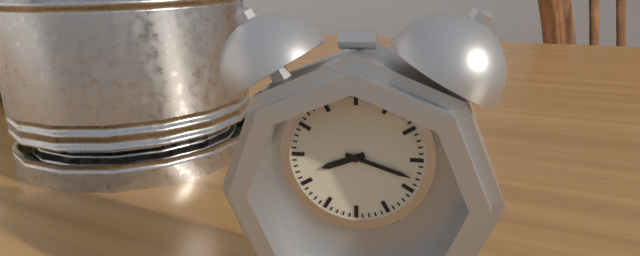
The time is h=8 m=18
